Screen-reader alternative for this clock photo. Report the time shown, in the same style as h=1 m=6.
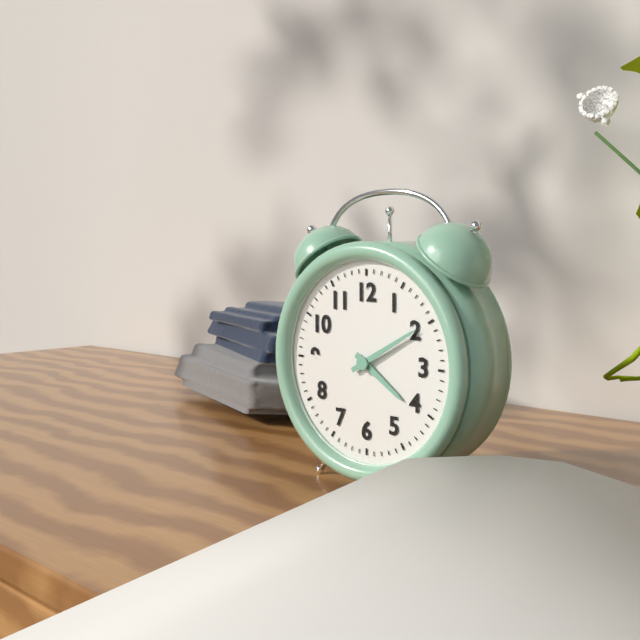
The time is h=4 m=10
